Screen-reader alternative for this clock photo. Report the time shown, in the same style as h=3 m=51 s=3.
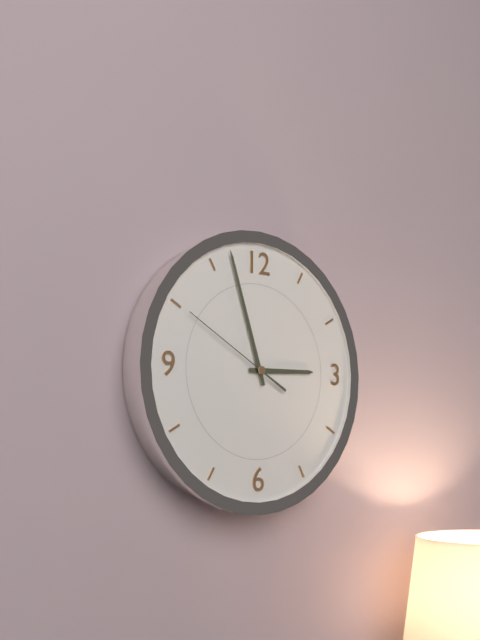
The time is h=2 m=57 s=50
